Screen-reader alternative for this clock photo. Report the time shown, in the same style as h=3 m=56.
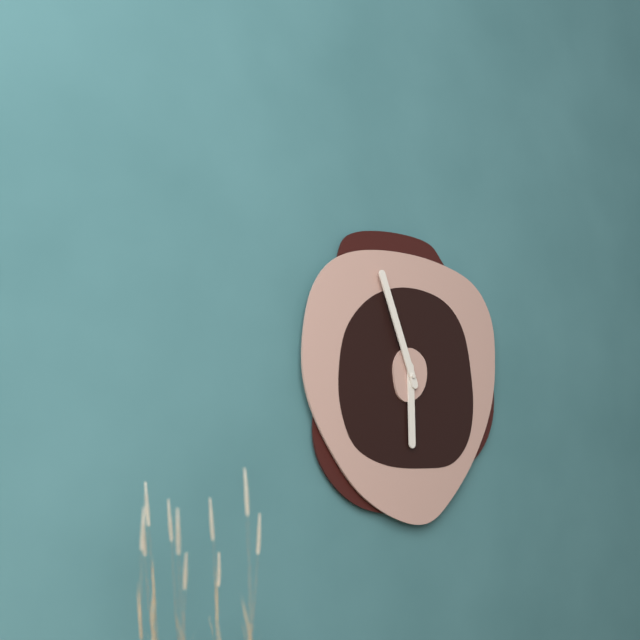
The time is h=5 m=56
